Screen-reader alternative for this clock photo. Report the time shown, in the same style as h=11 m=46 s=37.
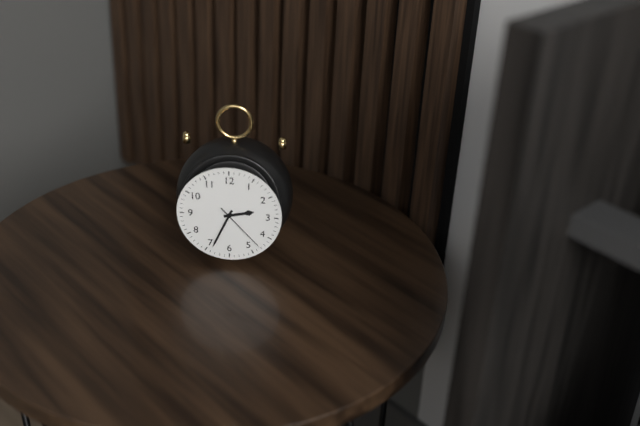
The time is h=2 m=34 s=23
